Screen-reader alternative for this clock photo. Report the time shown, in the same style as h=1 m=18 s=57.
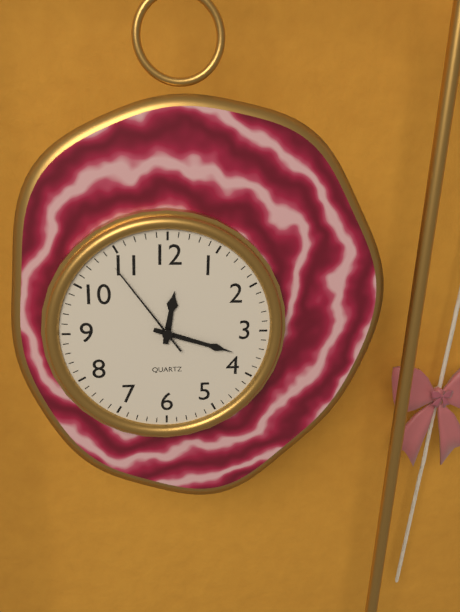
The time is h=12 m=18 s=54
